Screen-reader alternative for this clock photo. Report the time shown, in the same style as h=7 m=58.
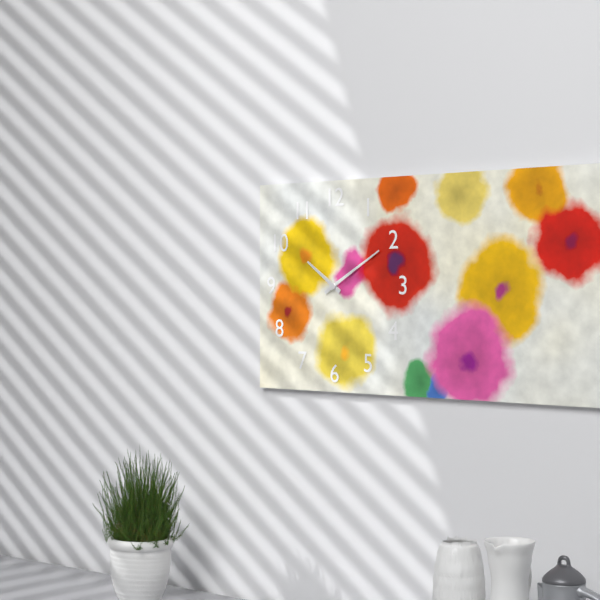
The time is h=10 m=10
